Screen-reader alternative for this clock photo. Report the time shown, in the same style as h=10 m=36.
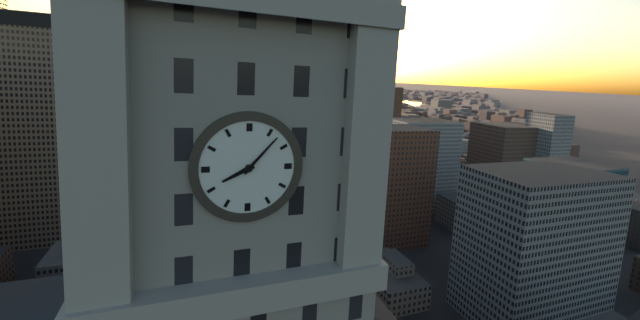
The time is h=8 m=7
